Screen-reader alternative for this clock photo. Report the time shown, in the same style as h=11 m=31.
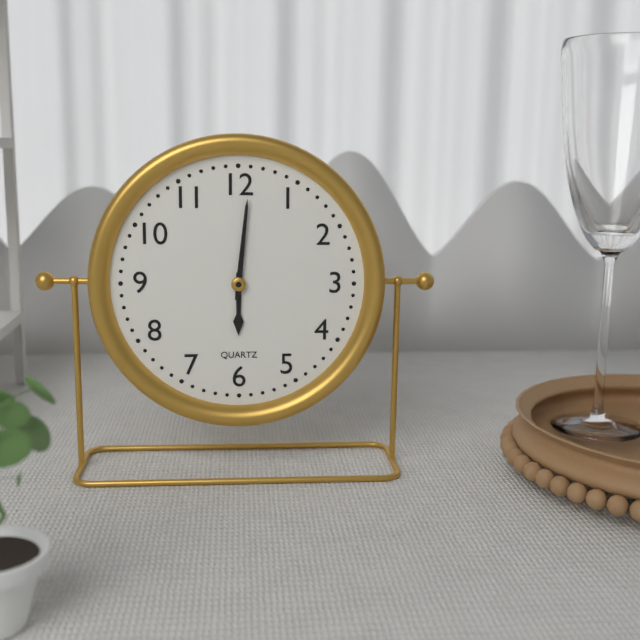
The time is h=6 m=1
